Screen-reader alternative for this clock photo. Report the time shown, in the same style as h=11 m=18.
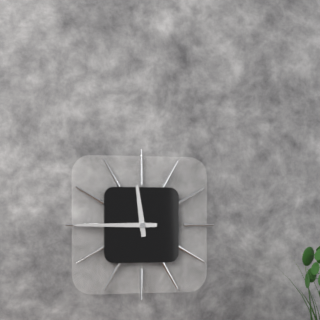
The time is h=11 m=45
